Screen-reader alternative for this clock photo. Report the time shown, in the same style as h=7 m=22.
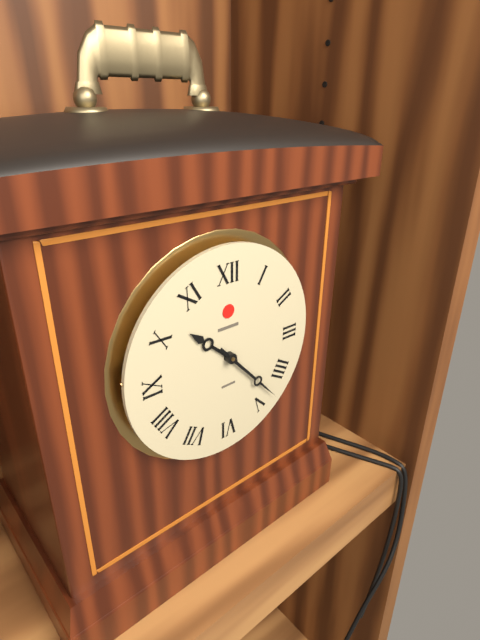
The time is h=10 m=23
